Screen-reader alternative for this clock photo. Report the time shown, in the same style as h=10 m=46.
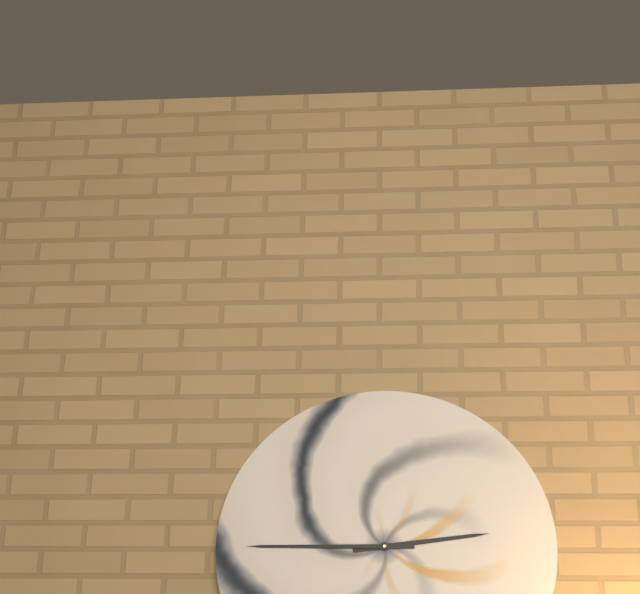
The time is h=2 m=45
